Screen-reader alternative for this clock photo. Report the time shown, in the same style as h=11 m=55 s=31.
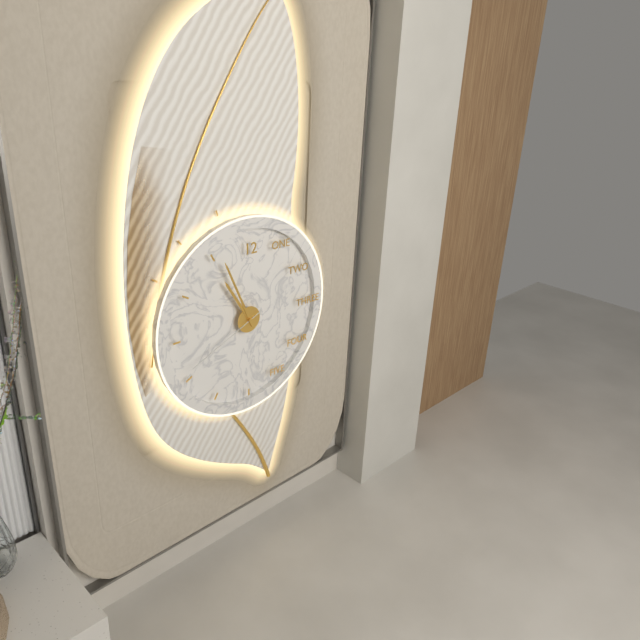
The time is h=10 m=56 s=41
